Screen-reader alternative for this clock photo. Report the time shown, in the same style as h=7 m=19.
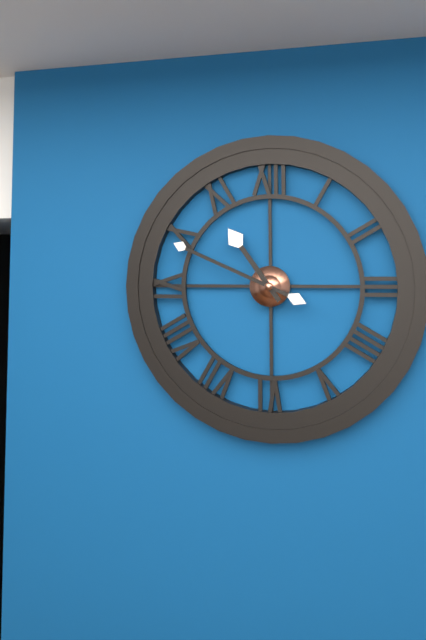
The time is h=10 m=49
